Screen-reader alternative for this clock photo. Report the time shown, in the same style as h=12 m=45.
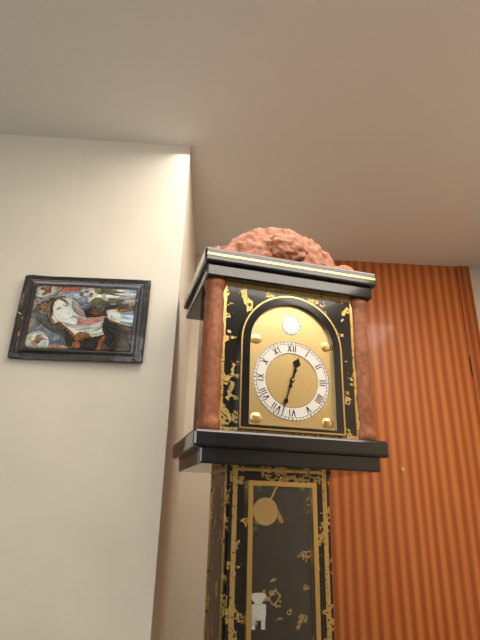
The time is h=12 m=33
